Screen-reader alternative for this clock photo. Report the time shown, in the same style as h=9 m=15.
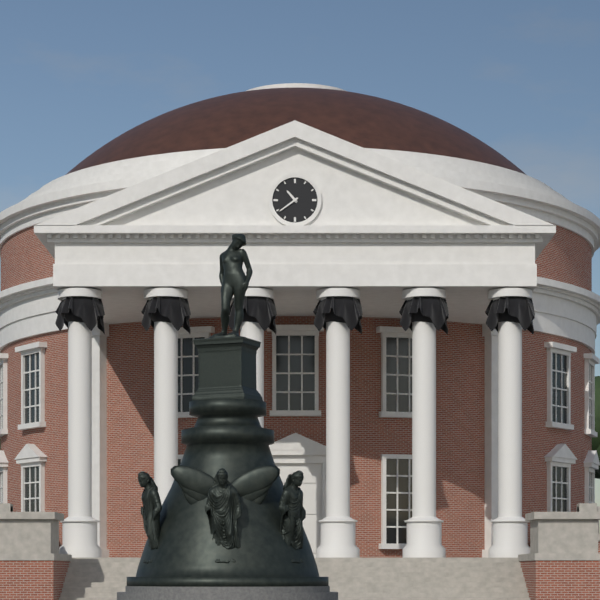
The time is h=10 m=39
